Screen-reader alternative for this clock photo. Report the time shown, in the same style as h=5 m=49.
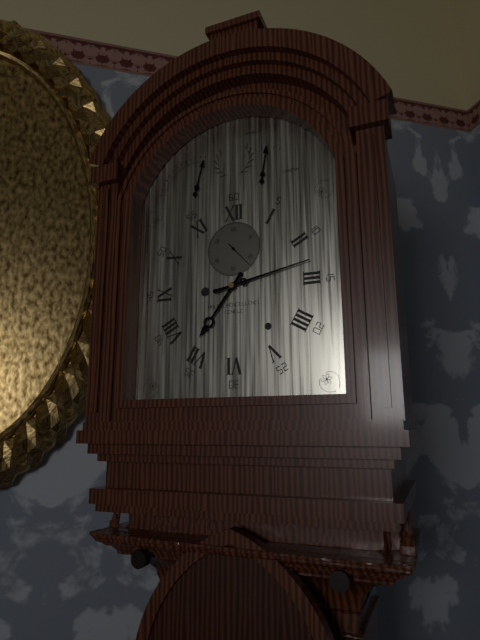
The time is h=7 m=13
